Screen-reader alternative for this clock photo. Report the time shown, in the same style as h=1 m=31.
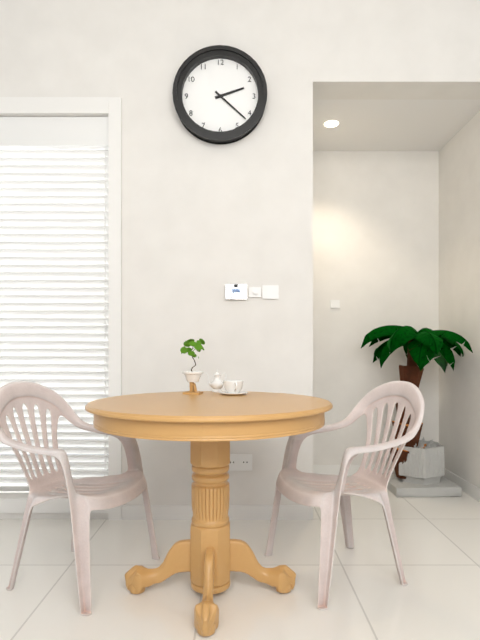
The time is h=2 m=22
